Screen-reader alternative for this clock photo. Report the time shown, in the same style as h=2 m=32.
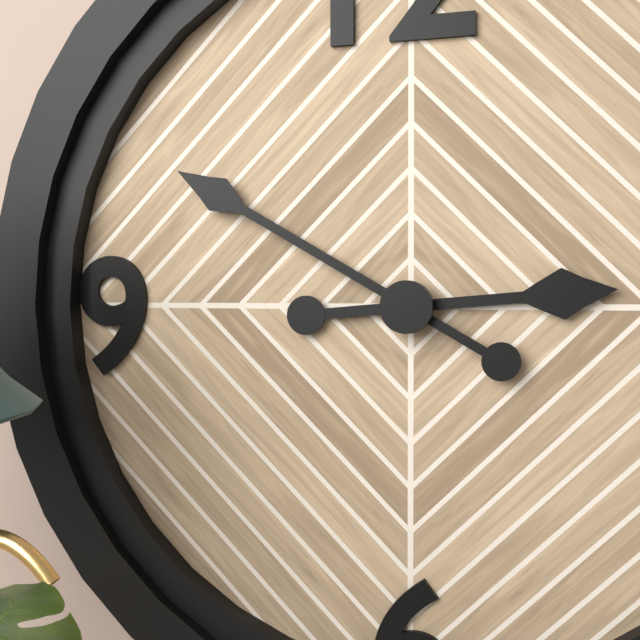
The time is h=2 m=50
